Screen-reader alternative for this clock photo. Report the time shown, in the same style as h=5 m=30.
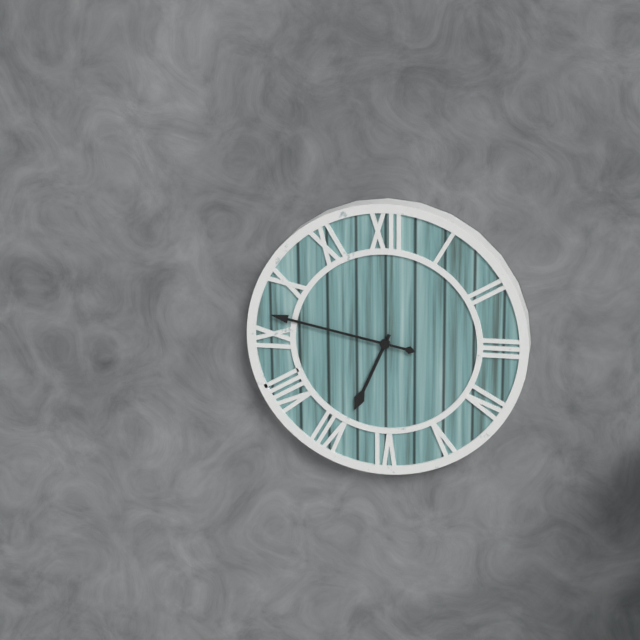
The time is h=6 m=47
